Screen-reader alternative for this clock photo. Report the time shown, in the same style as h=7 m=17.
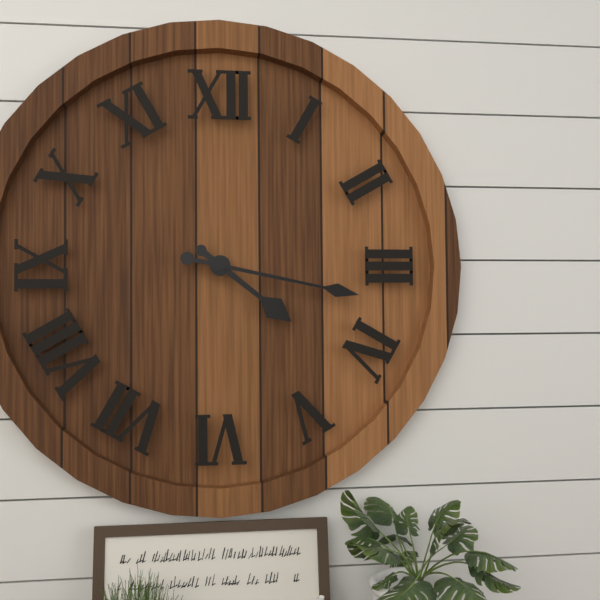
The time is h=4 m=17
